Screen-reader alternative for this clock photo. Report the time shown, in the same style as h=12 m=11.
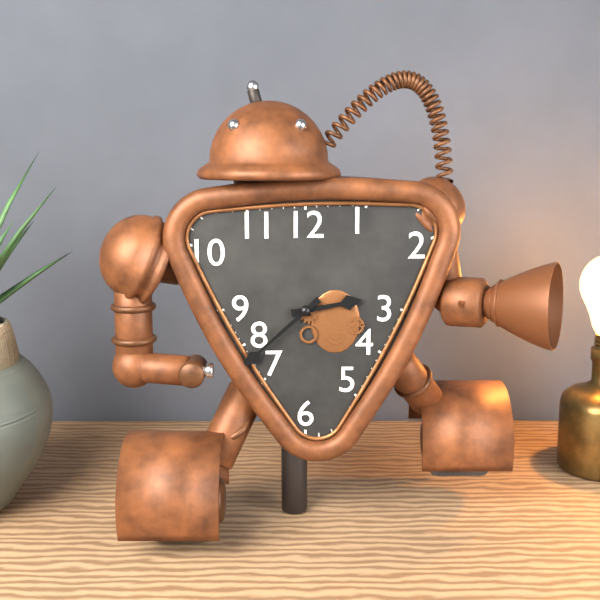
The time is h=2 m=38
